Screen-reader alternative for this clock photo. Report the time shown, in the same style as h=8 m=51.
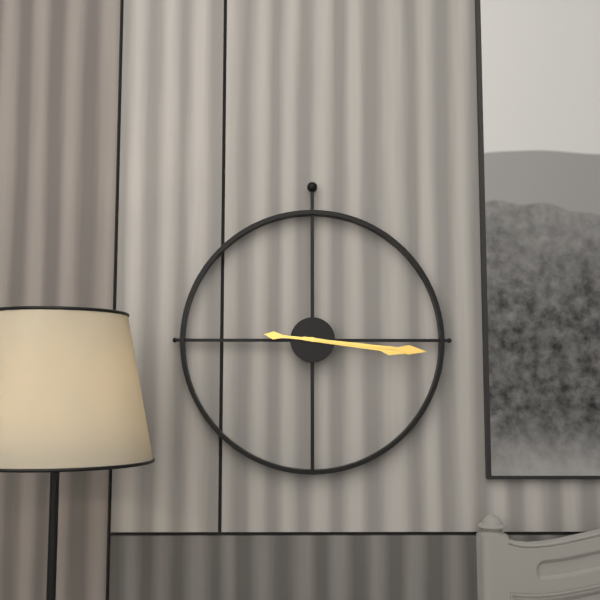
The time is h=3 m=16
